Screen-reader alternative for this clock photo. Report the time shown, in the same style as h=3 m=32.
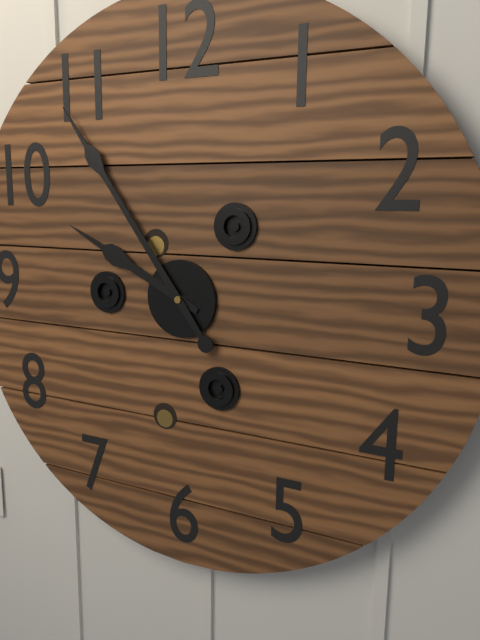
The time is h=9 m=54
